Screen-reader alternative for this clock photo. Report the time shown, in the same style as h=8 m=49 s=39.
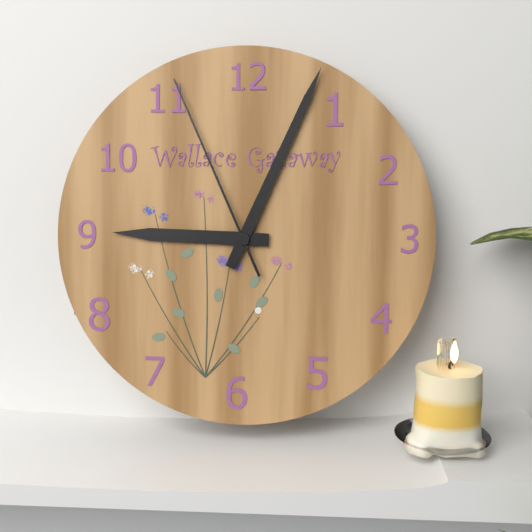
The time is h=9 m=4 s=56
